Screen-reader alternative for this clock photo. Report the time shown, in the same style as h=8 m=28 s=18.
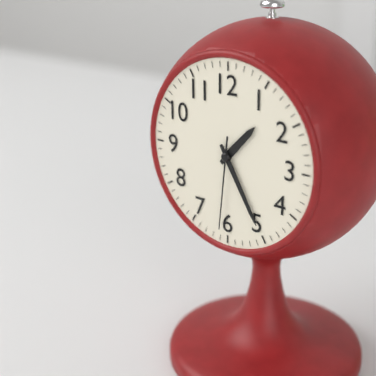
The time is h=1 m=25 s=31
